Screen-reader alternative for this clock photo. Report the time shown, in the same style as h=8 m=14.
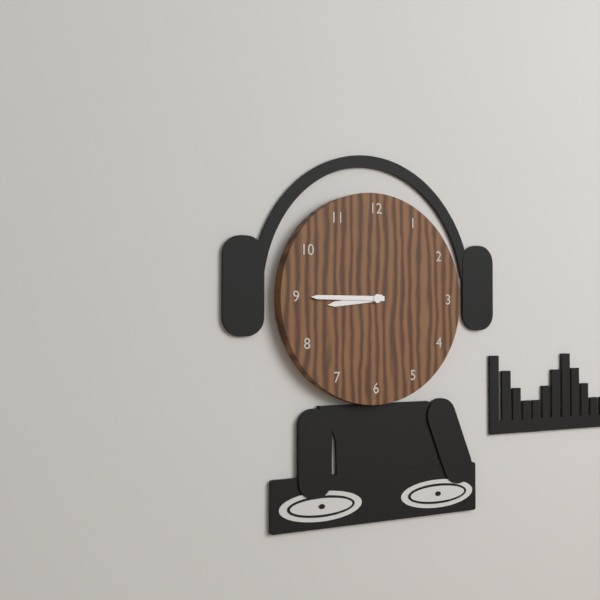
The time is h=8 m=45
